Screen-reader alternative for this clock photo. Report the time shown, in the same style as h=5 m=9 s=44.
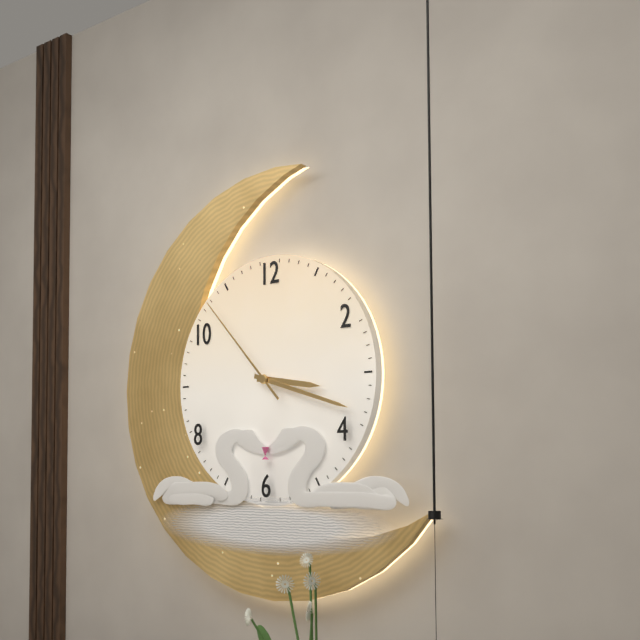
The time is h=3 m=18 s=53
